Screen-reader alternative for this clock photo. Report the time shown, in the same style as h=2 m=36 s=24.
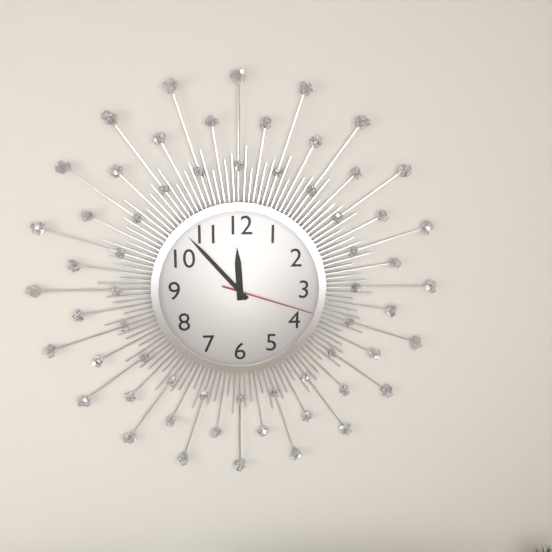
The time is h=11 m=53 s=18
